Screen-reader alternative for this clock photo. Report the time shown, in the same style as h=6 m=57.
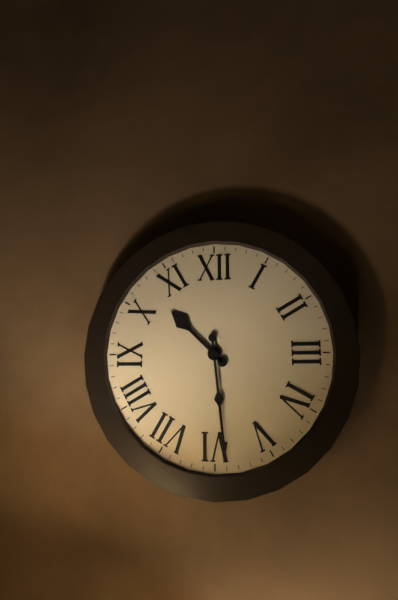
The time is h=10 m=29
